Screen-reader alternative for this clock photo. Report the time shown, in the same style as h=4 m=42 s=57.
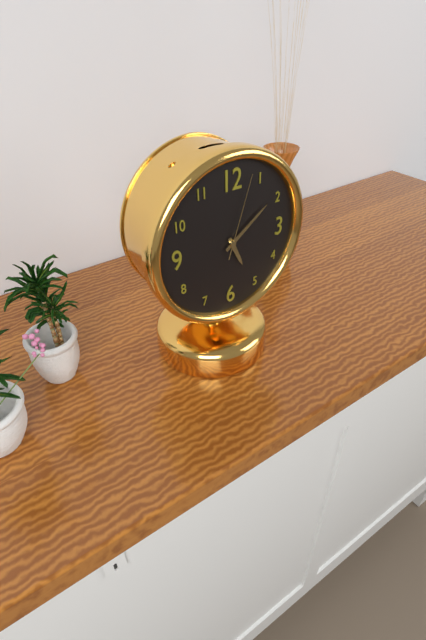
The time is h=5 m=9 s=3
